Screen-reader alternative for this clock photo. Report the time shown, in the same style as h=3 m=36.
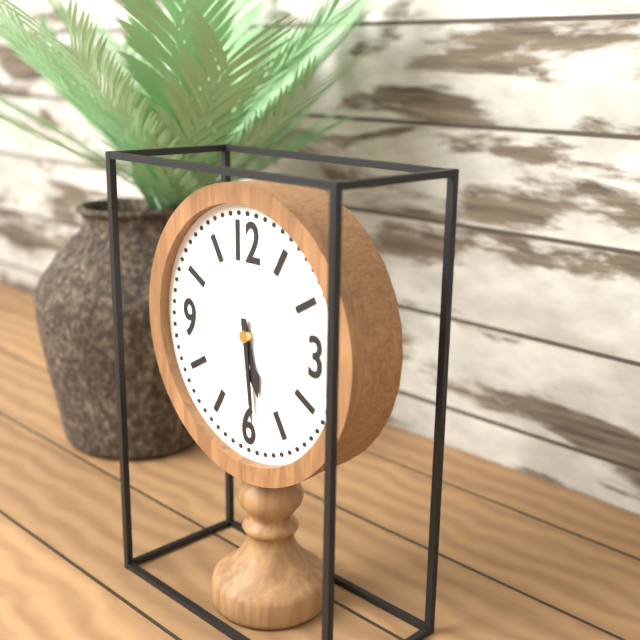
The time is h=5 m=29
